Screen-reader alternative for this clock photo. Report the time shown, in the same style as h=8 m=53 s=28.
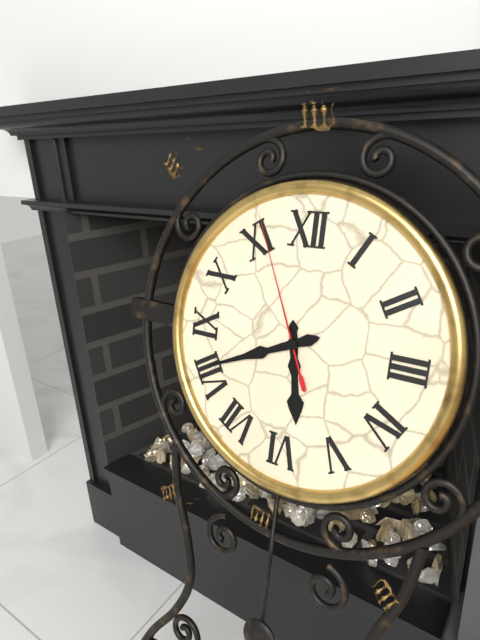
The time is h=5 m=41 s=56
